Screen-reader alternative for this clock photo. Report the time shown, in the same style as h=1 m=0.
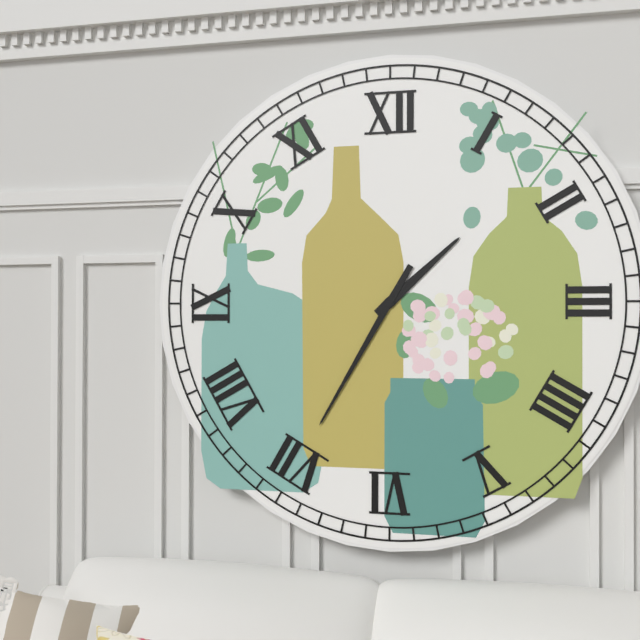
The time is h=1 m=35
